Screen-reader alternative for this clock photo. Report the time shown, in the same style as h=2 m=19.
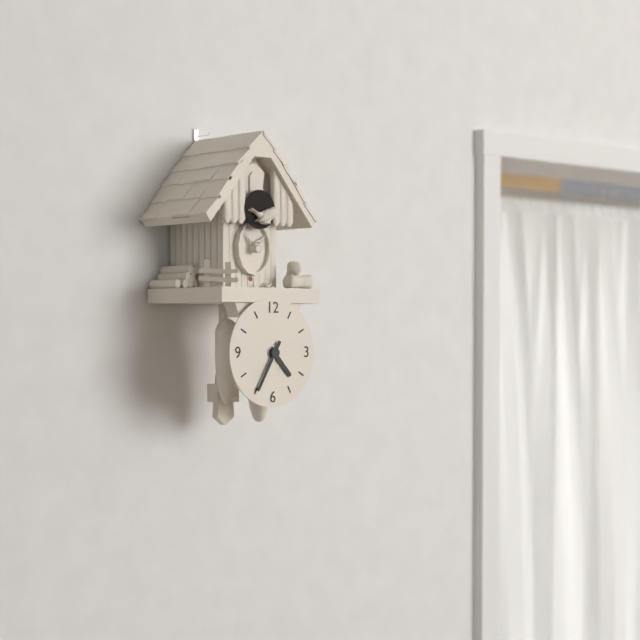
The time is h=4 m=35
